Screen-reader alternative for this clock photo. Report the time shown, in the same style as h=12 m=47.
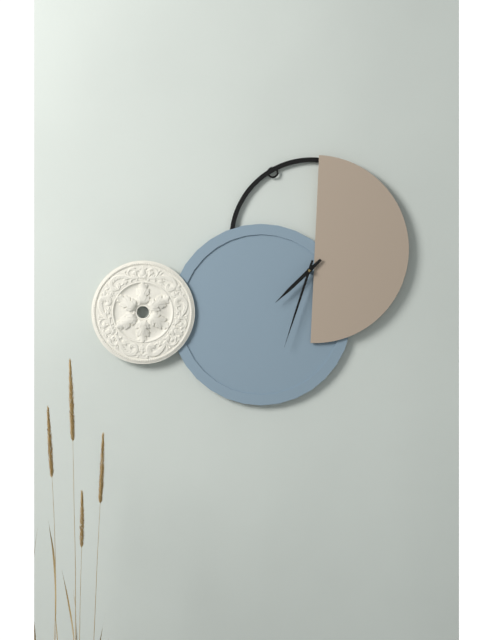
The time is h=7 m=33
